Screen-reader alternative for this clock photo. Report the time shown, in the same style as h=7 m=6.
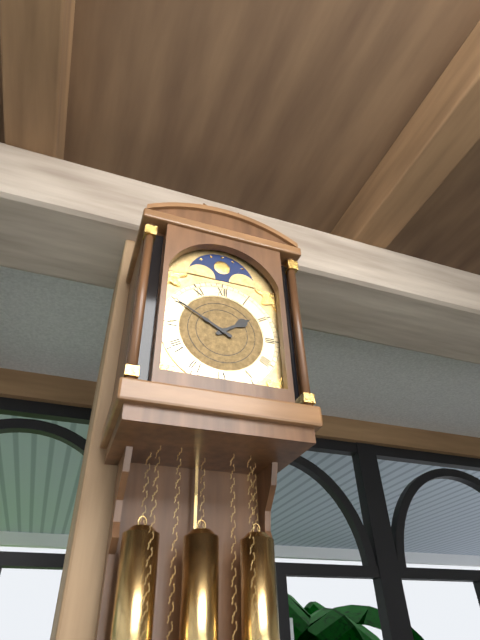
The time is h=1 m=50
